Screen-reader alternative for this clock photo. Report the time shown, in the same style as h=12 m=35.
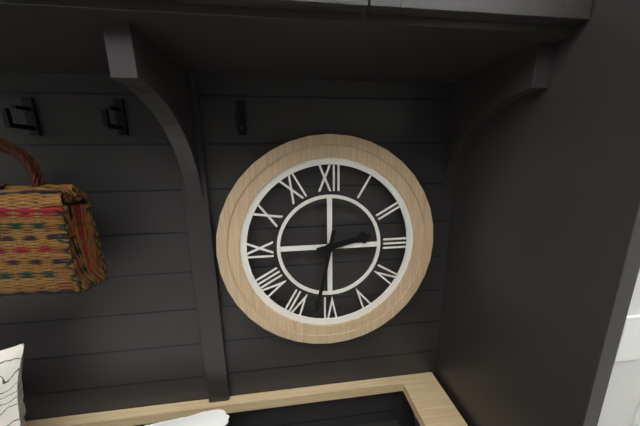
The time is h=2 m=32
